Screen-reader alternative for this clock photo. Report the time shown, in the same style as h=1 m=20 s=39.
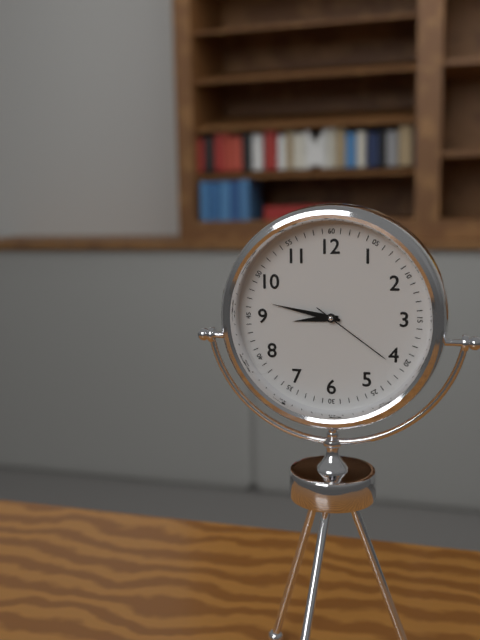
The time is h=8 m=47 s=21
